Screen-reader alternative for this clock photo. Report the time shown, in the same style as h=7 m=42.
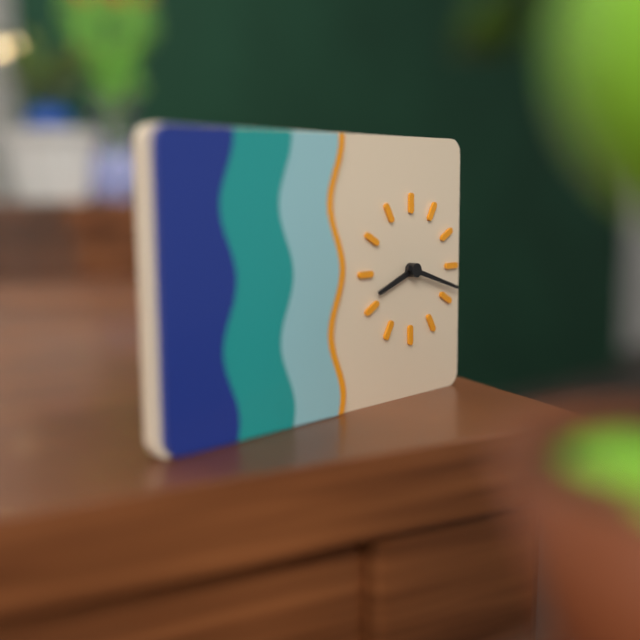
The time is h=8 m=18
